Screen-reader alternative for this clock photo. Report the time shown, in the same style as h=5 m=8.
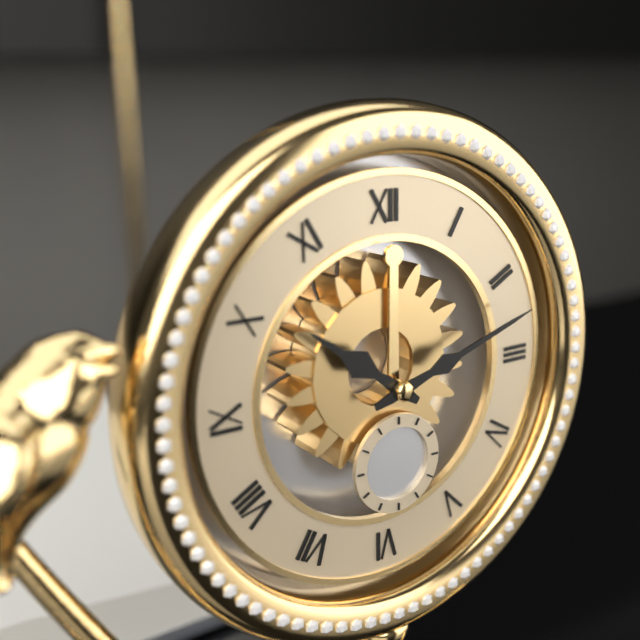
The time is h=10 m=12
